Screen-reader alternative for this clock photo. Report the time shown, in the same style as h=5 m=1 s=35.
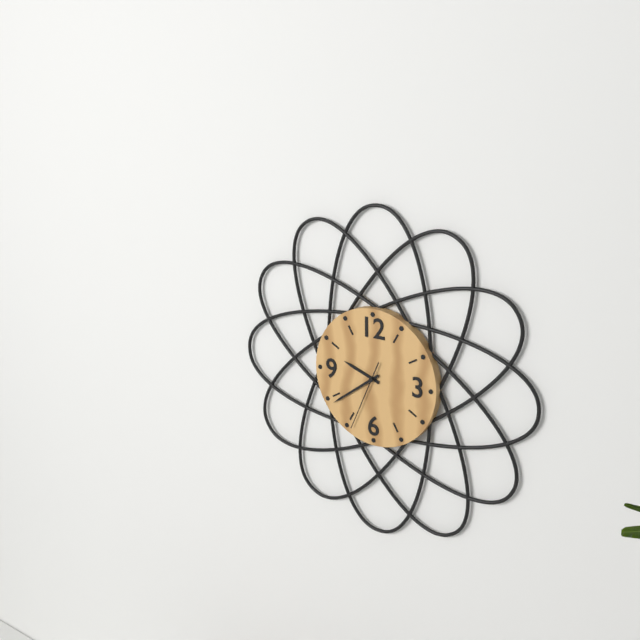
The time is h=9 m=39 s=34
